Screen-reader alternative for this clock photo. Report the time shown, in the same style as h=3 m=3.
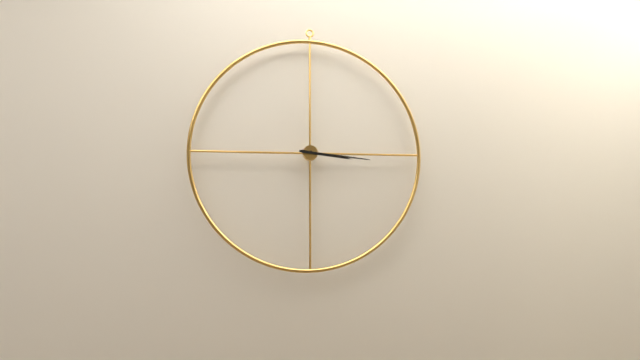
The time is h=3 m=16
